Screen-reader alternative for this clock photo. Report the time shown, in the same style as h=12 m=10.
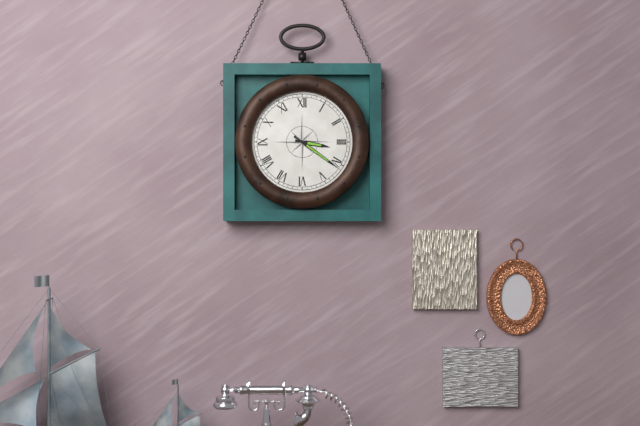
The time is h=3 m=21
